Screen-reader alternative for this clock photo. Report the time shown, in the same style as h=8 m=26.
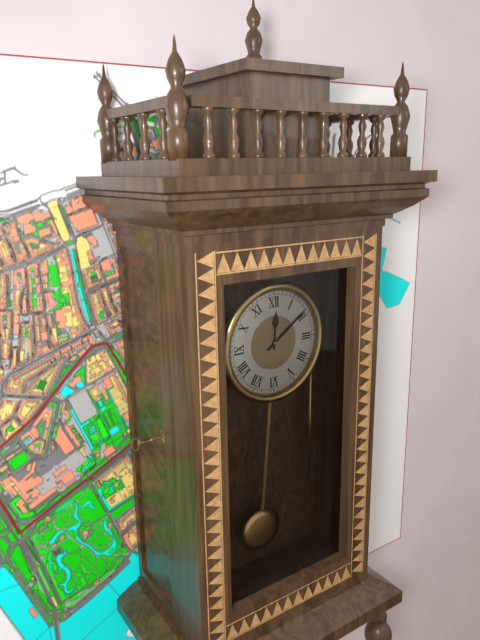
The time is h=12 m=9
